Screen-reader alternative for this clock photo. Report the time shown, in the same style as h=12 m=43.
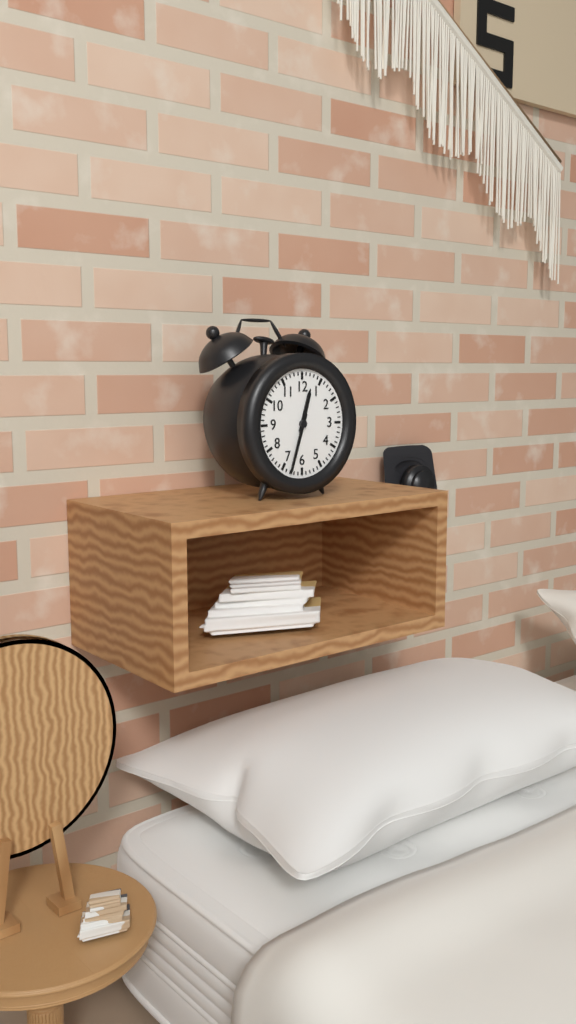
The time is h=12 m=33
